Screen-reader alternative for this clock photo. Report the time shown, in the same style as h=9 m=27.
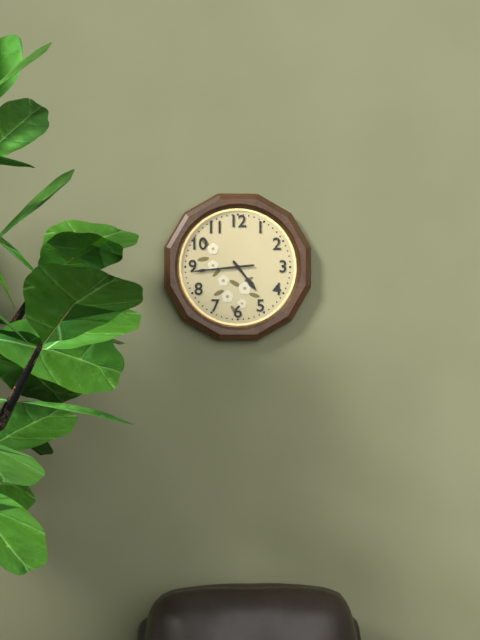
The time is h=4 m=44
